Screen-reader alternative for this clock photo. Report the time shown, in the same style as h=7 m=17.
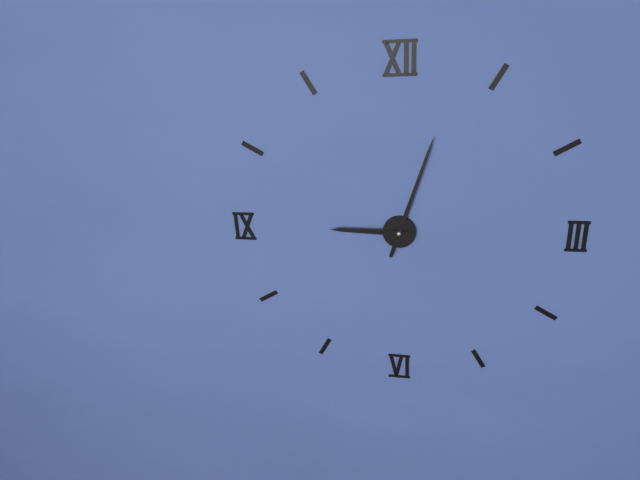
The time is h=9 m=3
